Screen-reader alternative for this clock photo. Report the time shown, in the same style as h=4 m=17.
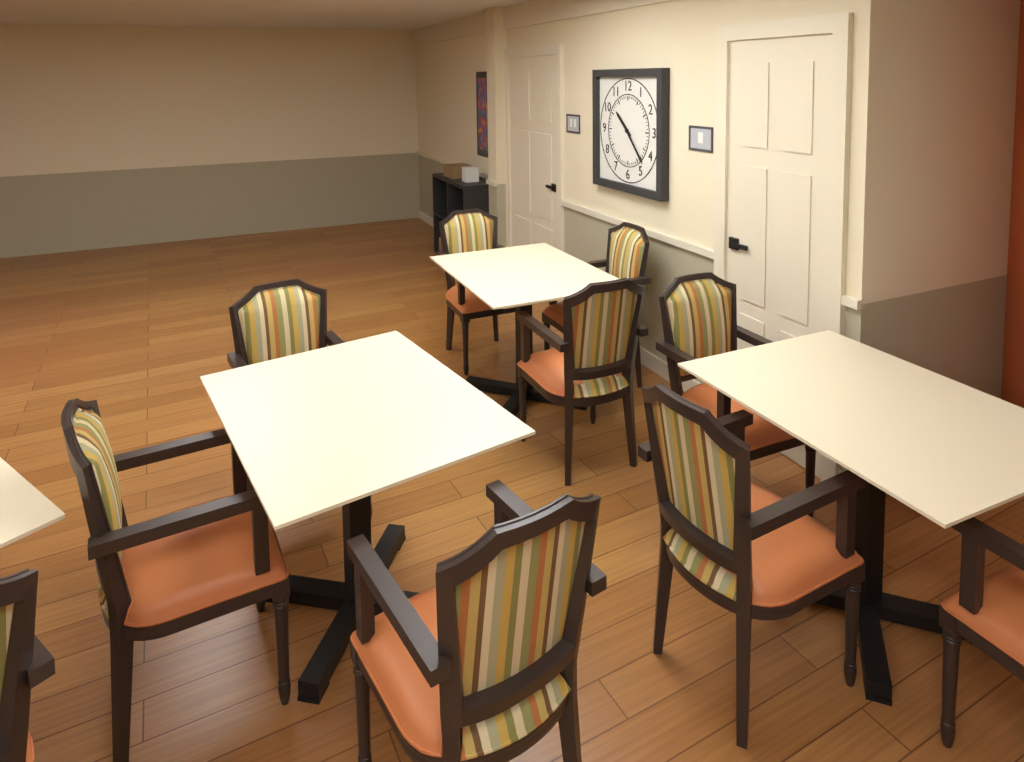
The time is h=10 m=23
